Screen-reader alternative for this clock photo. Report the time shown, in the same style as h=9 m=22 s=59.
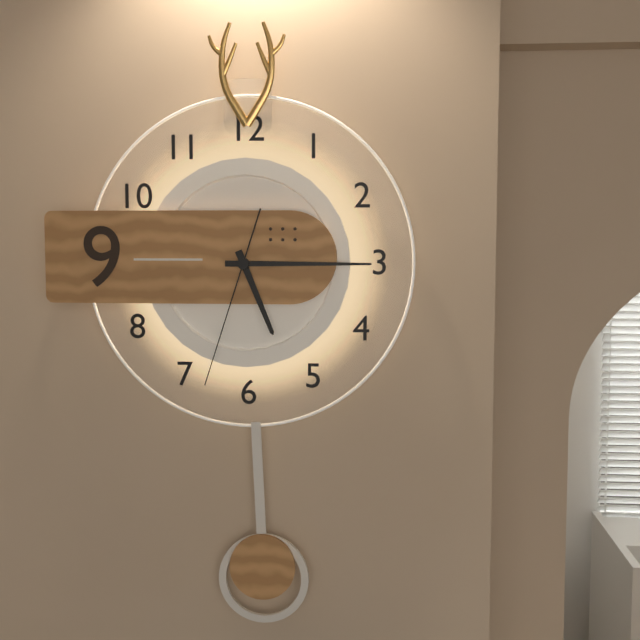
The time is h=5 m=15 s=33
